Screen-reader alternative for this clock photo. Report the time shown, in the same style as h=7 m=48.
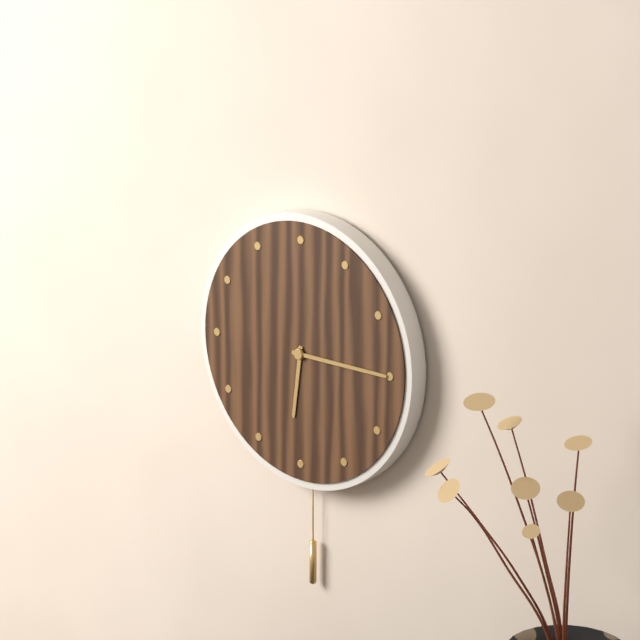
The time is h=6 m=15
